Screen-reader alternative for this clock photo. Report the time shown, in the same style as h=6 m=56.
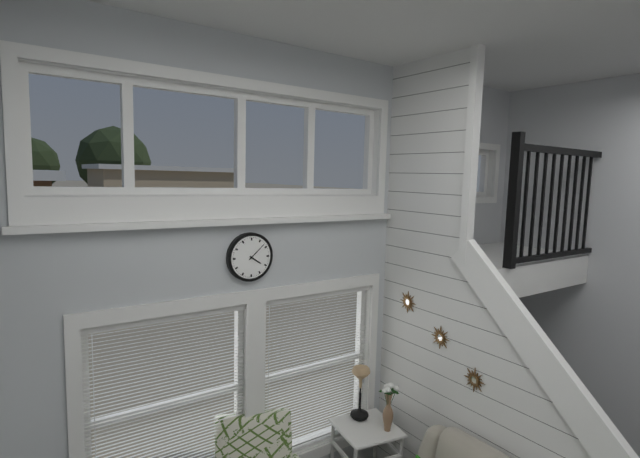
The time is h=4 m=8
